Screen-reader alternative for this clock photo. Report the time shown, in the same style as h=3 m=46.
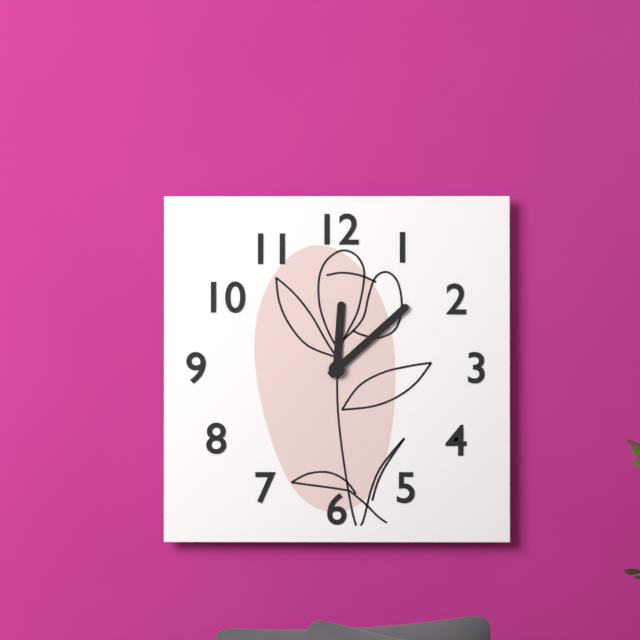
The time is h=12 m=8
